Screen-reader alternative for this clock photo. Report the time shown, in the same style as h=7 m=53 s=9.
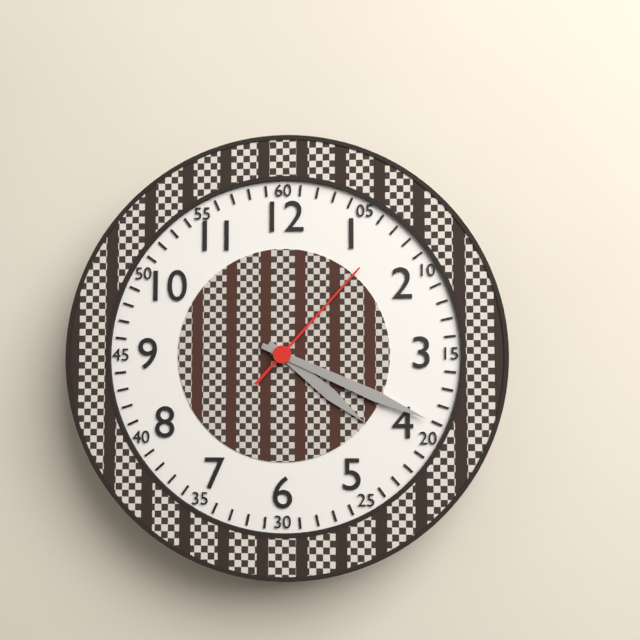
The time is h=4 m=19 s=7
